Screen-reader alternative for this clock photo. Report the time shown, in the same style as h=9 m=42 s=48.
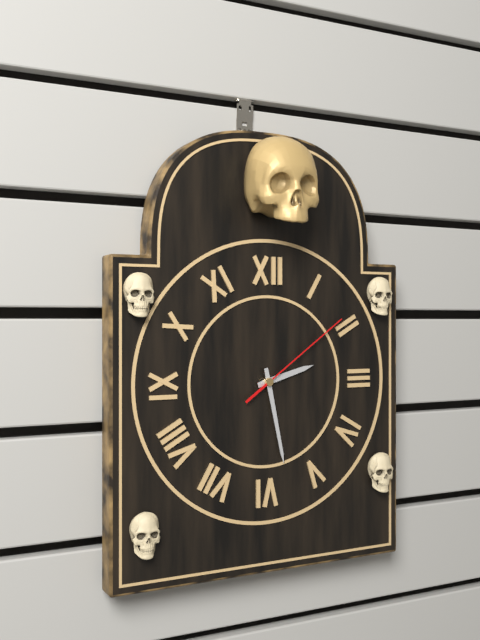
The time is h=2 m=28 s=9
